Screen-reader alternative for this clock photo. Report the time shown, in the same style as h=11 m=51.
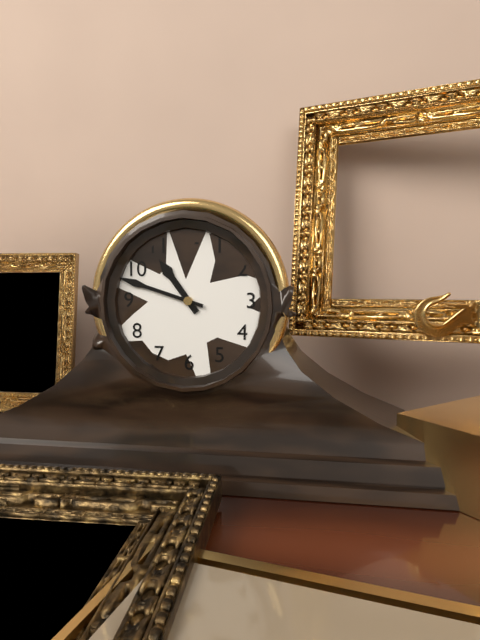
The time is h=10 m=48
